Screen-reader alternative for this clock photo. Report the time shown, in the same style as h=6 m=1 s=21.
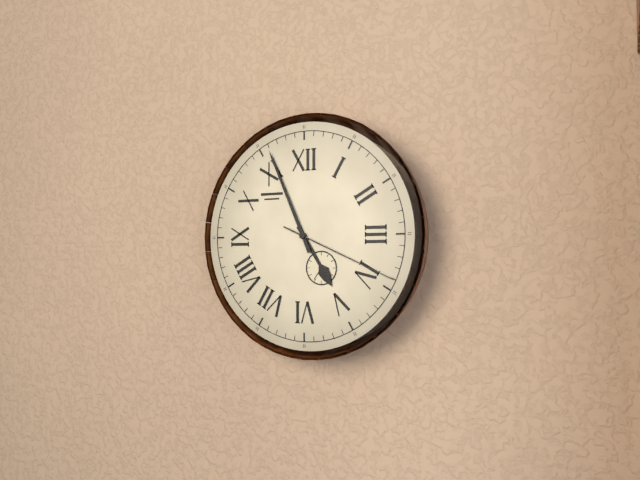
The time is h=4 m=56 s=19
